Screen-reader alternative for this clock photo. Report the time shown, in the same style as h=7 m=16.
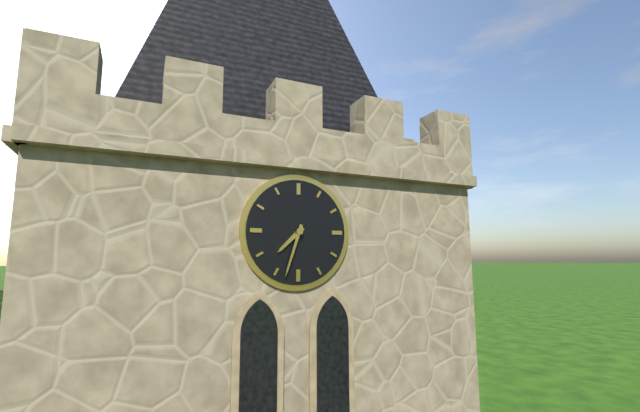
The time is h=7 m=33
